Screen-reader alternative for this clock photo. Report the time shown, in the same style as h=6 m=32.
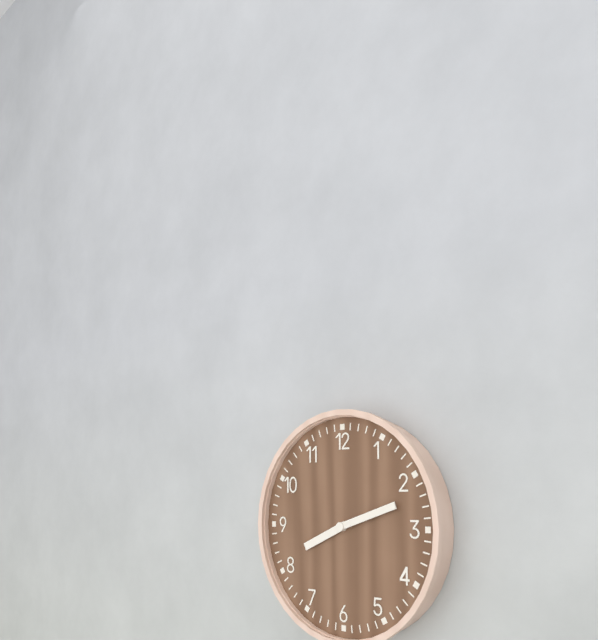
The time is h=8 m=12
